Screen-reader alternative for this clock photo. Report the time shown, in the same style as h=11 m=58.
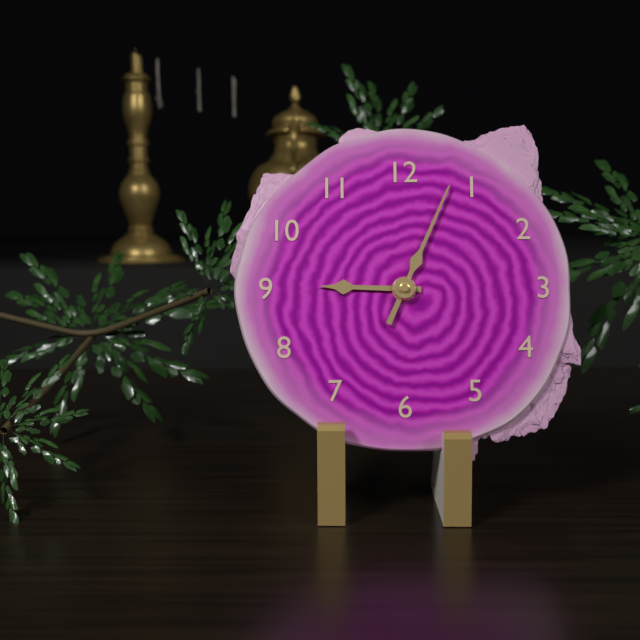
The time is h=9 m=4
